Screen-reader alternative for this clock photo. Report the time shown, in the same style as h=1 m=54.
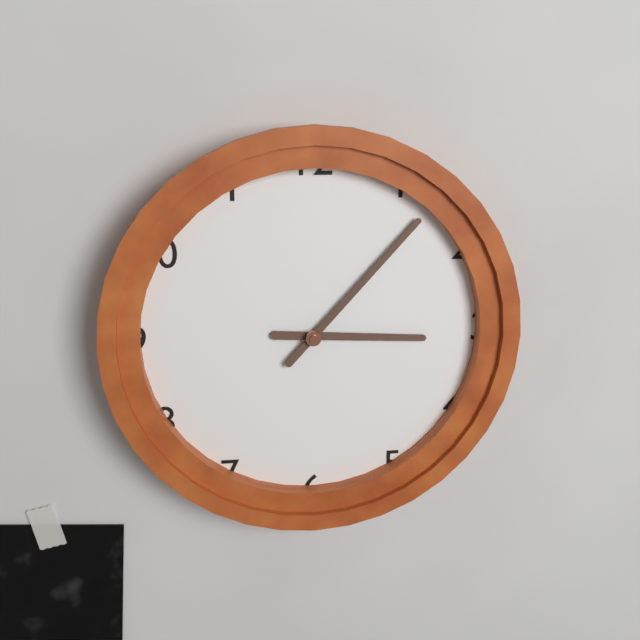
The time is h=3 m=7
